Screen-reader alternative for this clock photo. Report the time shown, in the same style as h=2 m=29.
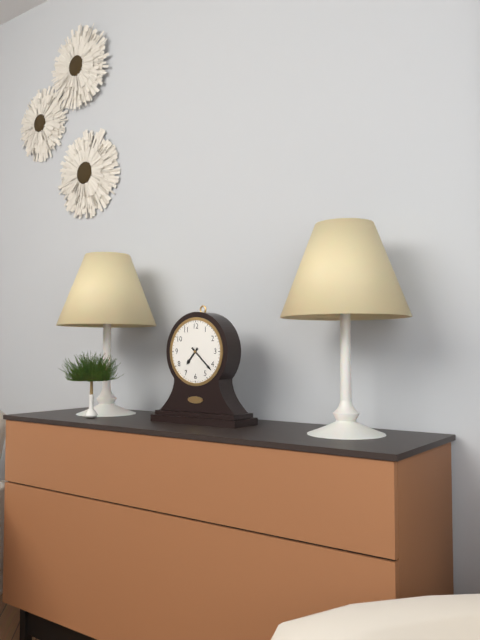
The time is h=7 m=22
